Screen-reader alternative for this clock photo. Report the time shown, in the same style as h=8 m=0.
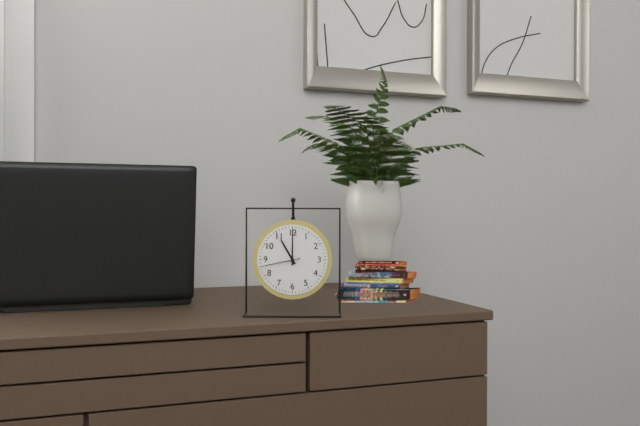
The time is h=11 m=0
